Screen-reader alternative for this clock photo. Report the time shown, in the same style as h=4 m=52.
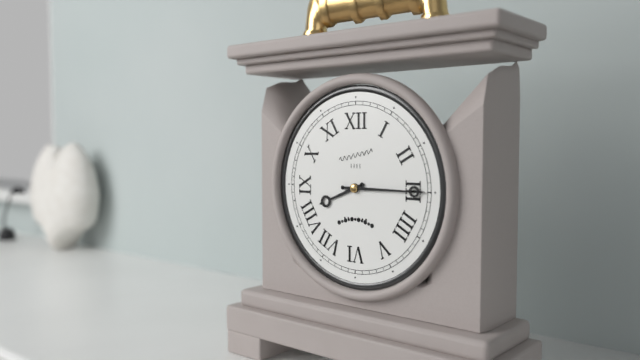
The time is h=8 m=15
